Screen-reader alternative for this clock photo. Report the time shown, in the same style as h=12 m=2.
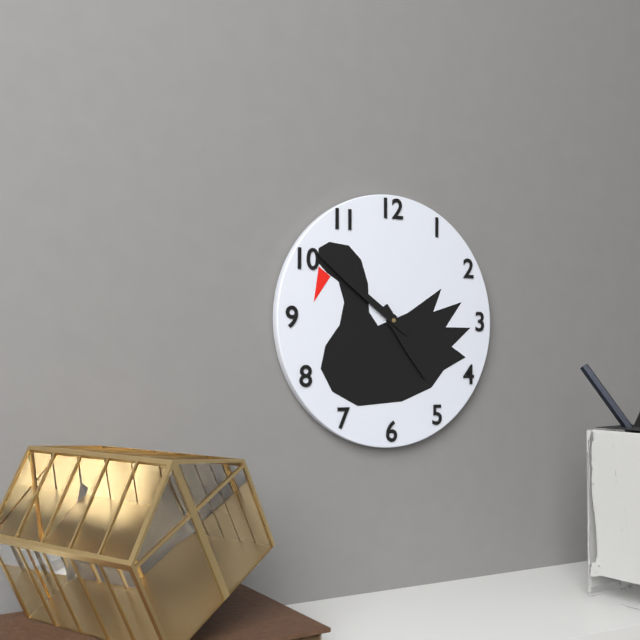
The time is h=4 m=51
